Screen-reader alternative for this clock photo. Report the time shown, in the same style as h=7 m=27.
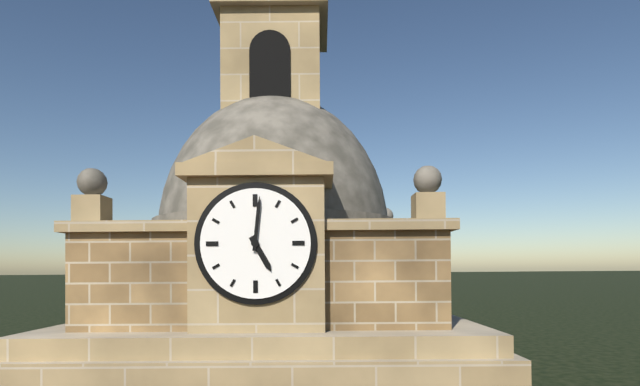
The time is h=5 m=1
